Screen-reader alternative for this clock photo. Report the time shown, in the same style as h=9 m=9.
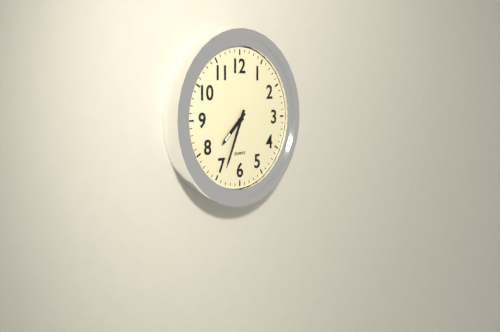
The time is h=7 m=34
